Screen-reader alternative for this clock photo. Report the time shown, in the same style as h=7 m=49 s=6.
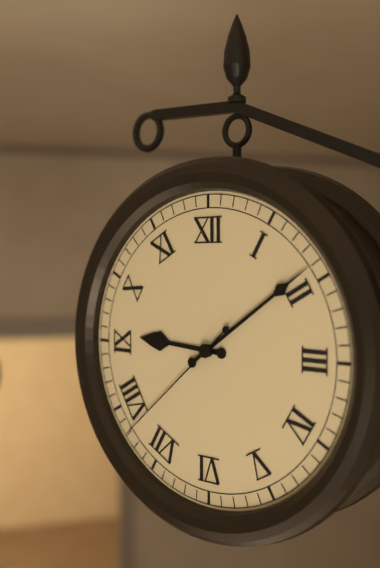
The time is h=9 m=9 s=38
